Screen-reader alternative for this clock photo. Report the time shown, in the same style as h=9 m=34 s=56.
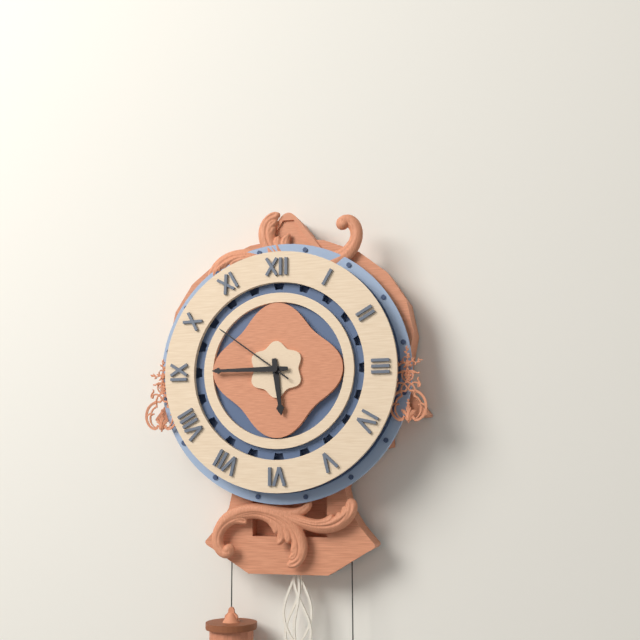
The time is h=5 m=45 s=51
